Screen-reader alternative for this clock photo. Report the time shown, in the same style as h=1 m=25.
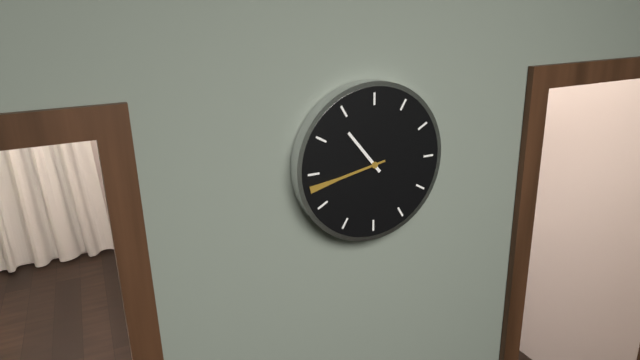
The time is h=10 m=43
